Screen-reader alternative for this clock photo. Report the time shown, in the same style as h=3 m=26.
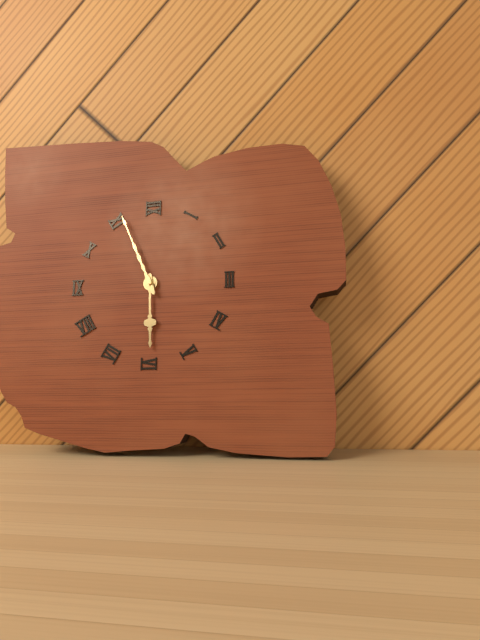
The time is h=5 m=56
